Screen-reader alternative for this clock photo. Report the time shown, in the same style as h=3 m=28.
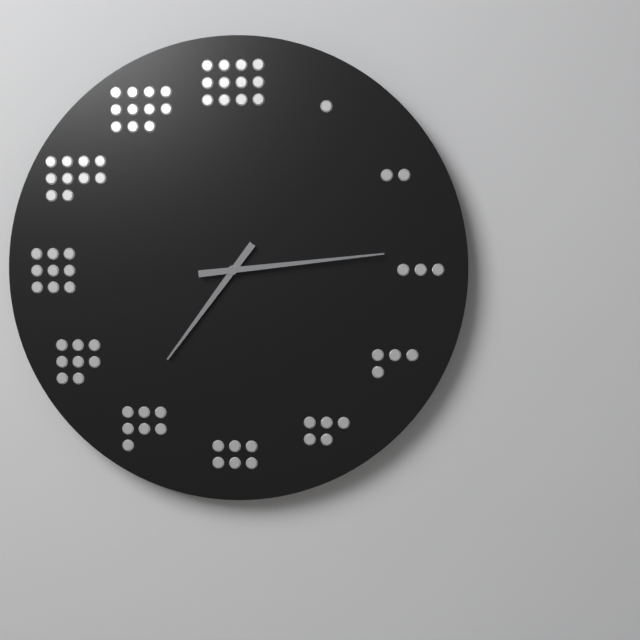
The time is h=7 m=14
